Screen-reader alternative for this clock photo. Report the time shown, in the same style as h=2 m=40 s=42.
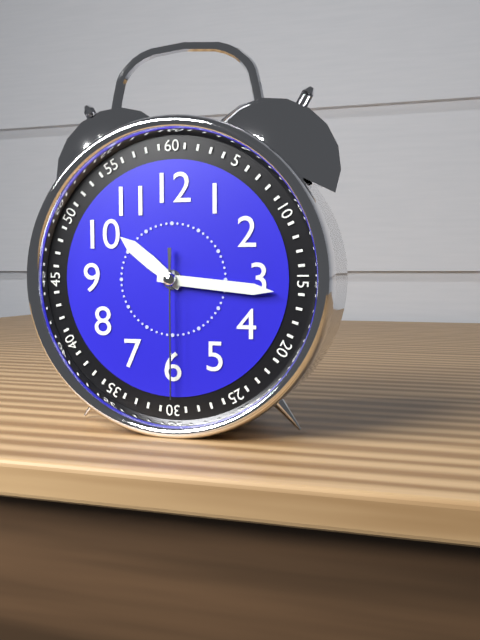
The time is h=10 m=16 s=30
